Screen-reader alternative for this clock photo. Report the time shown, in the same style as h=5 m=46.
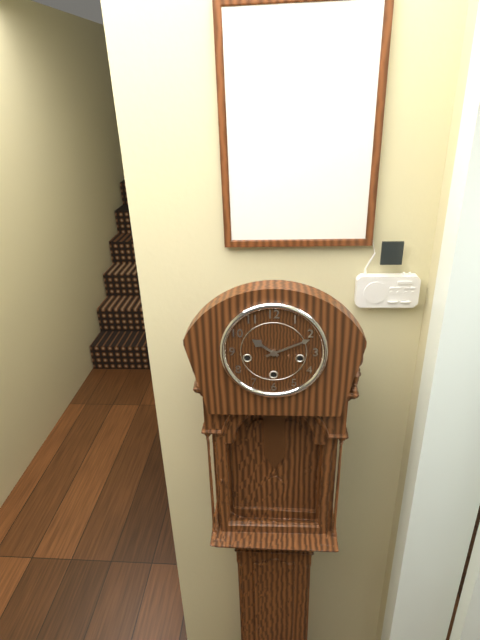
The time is h=10 m=11
